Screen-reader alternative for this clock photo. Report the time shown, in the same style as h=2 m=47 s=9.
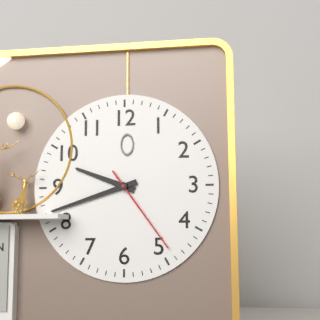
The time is h=9 m=42 s=24
